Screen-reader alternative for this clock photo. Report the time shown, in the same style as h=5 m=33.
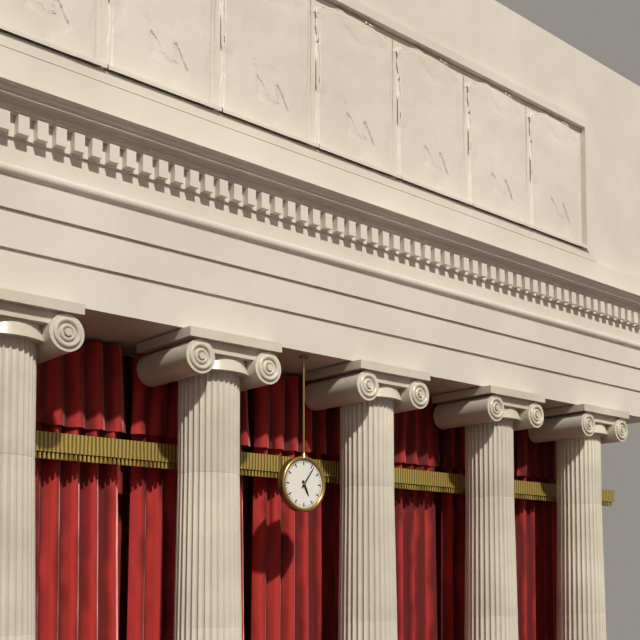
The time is h=5 m=6
